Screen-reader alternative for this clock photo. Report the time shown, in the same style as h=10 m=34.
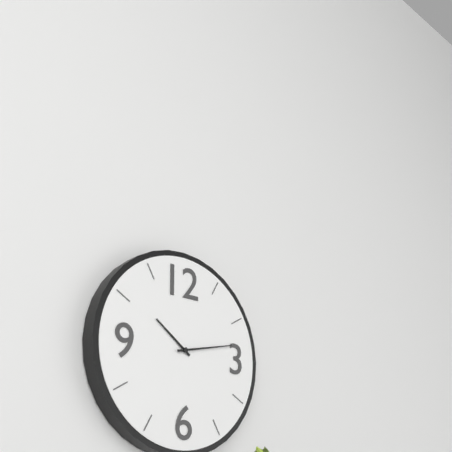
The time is h=10 m=13
